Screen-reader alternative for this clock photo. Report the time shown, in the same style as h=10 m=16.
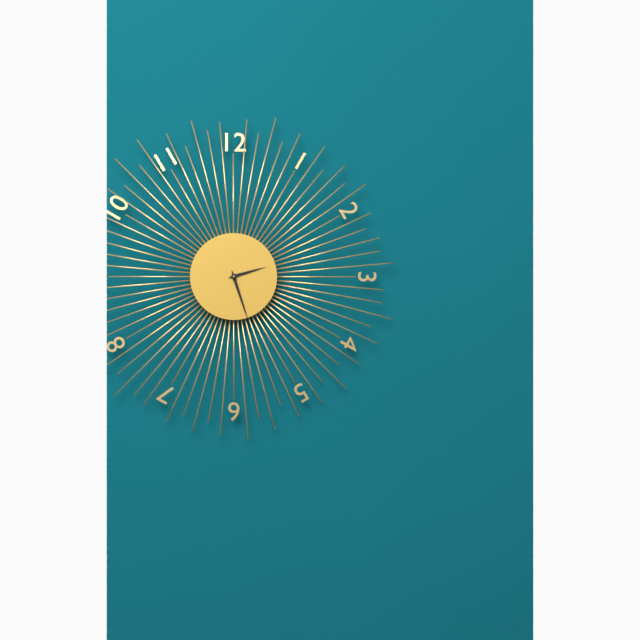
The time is h=2 m=27
